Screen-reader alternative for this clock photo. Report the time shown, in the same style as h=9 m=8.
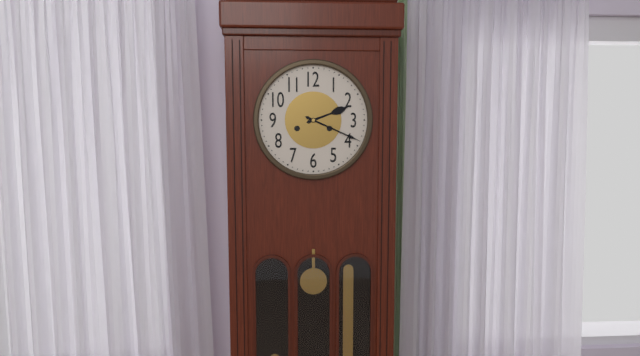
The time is h=2 m=19
